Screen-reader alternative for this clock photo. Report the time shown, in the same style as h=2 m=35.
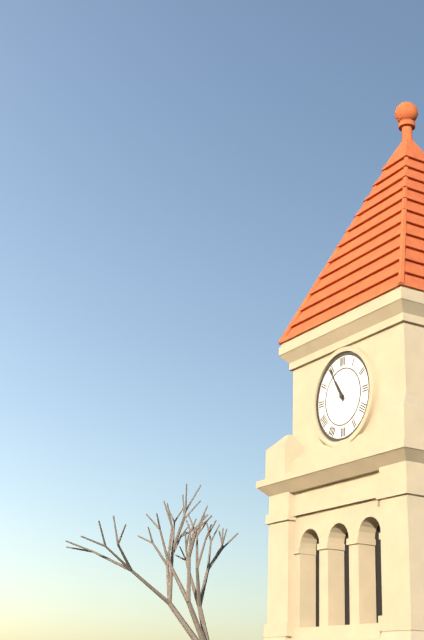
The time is h=10 m=55
